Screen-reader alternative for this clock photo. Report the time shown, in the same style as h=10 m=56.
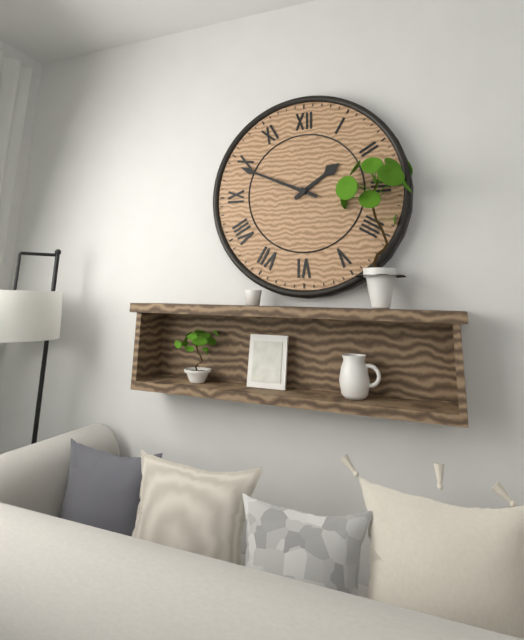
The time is h=1 m=49
